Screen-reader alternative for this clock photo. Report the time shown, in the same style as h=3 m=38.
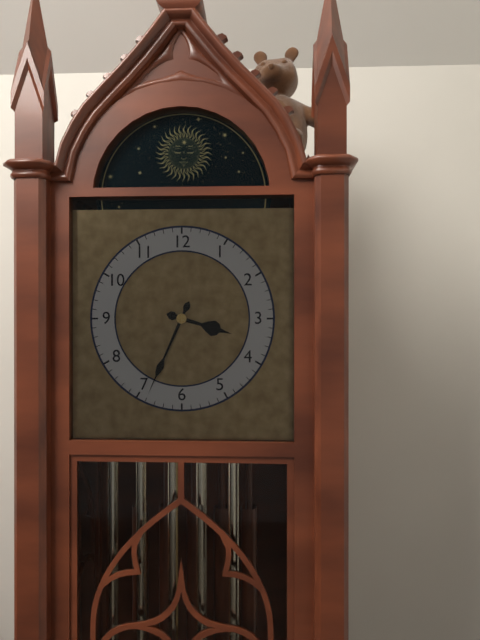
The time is h=3 m=34
